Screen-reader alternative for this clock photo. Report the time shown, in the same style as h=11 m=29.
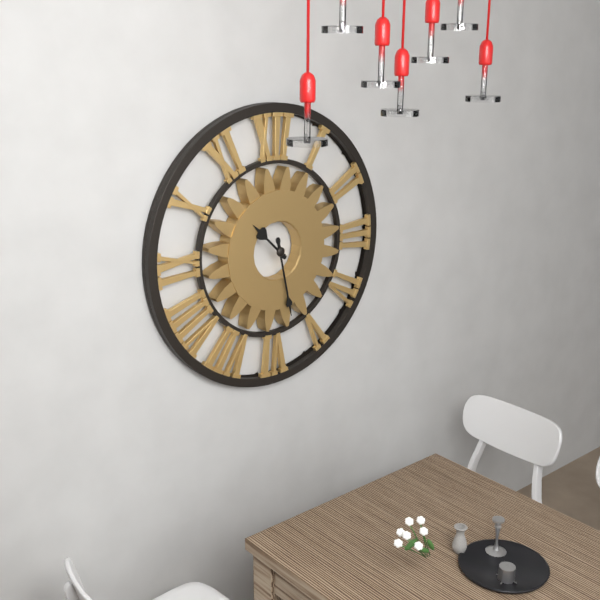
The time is h=10 m=28
